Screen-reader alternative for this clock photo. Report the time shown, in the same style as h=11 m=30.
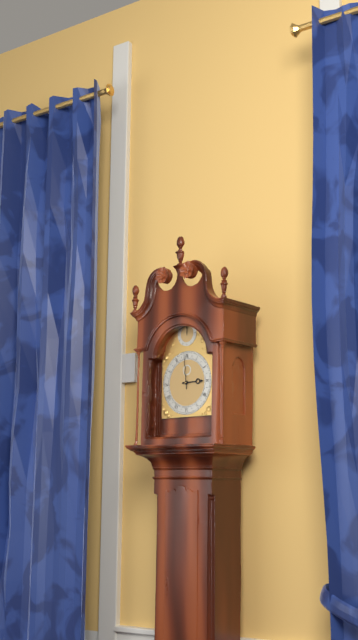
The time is h=2 m=59
